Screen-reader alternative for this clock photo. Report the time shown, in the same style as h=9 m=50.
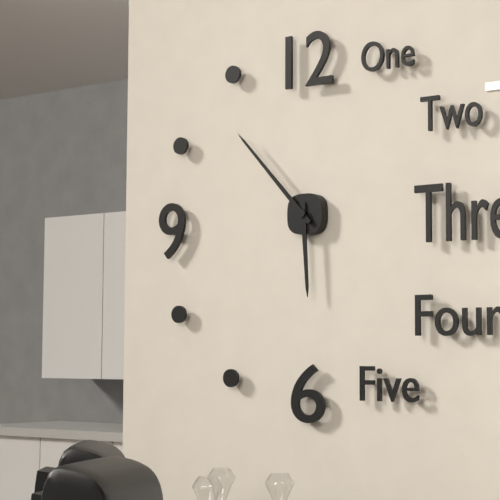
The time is h=5 m=53
